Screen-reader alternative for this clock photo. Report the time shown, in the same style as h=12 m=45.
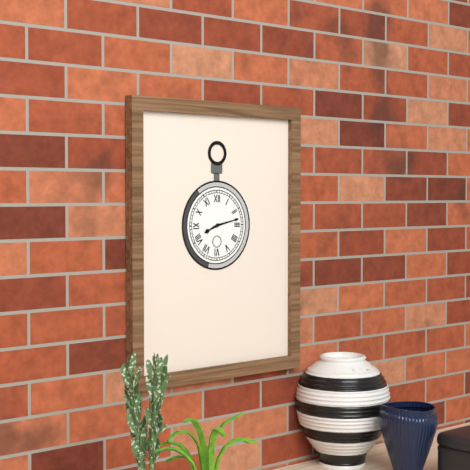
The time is h=8 m=13
